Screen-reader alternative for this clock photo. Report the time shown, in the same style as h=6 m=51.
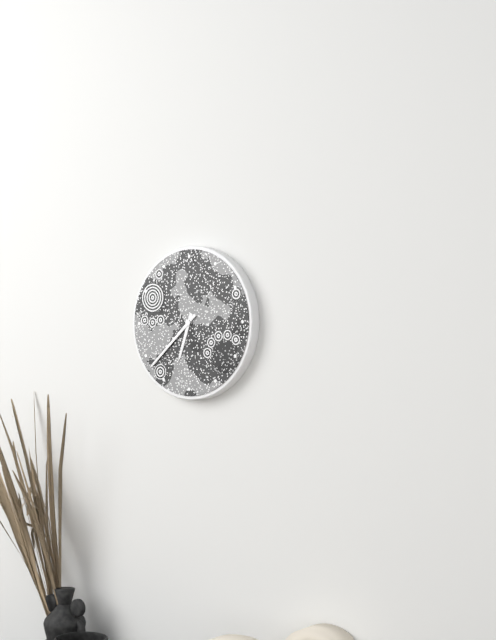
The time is h=6 m=38
